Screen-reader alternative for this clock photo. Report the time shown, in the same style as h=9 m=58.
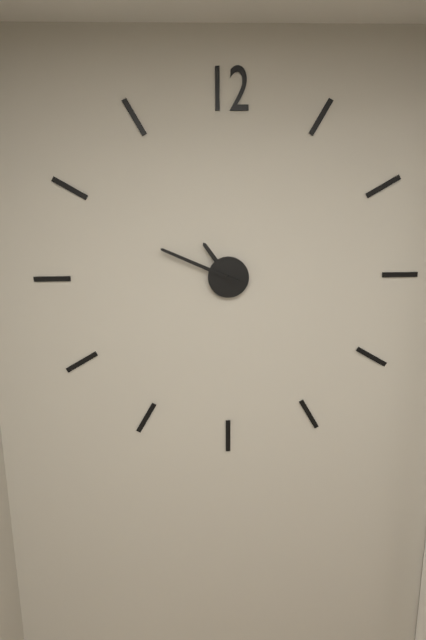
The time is h=10 m=49
